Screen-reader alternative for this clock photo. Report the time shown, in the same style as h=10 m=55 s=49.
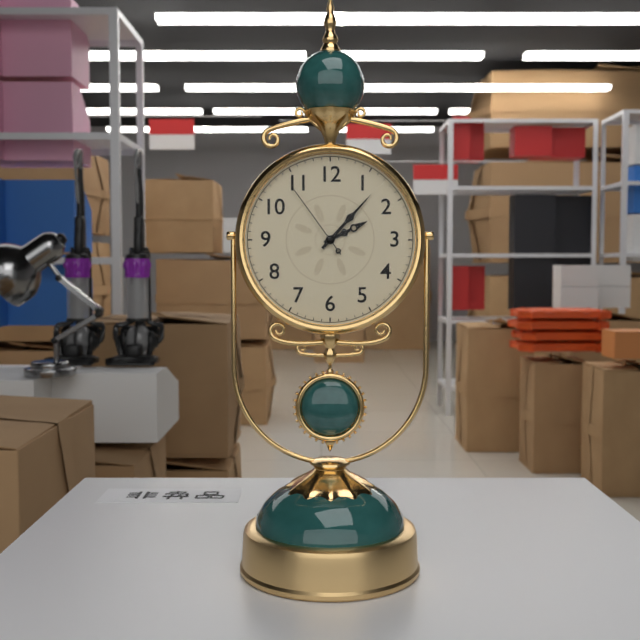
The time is h=2 m=7 s=54
